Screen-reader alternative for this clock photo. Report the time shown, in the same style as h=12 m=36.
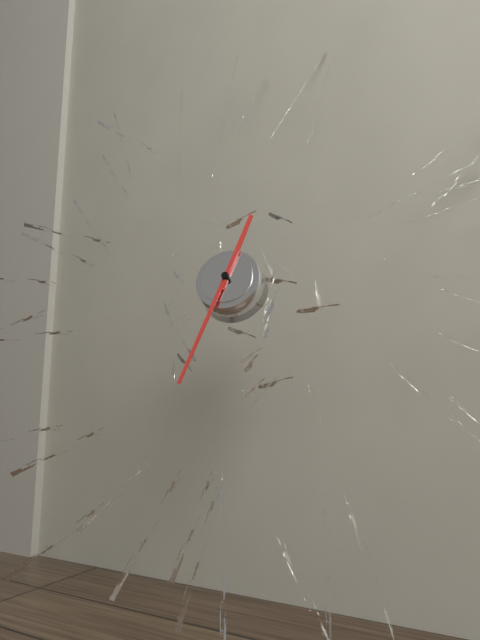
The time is h=12 m=33
